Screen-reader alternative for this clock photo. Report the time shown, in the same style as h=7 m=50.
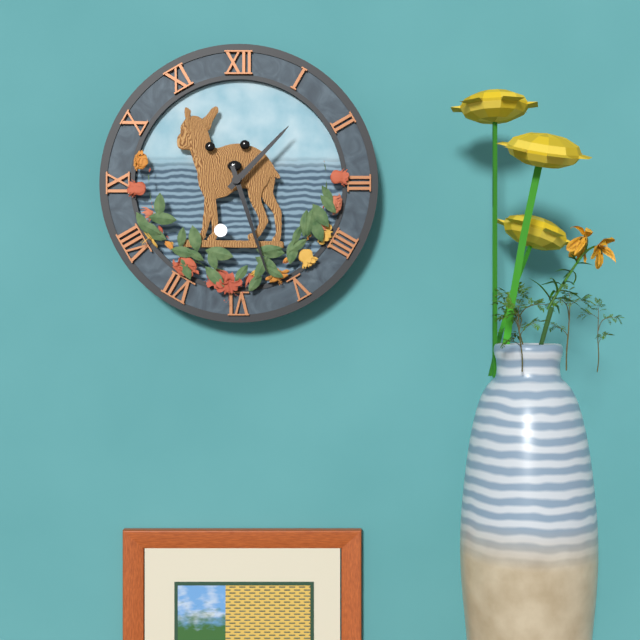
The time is h=1 m=27
